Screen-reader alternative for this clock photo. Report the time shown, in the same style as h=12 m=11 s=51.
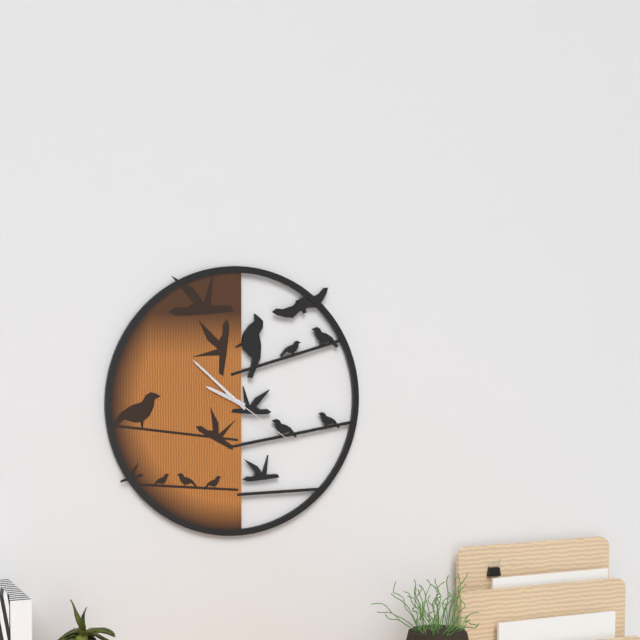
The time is h=9 m=52 s=21
